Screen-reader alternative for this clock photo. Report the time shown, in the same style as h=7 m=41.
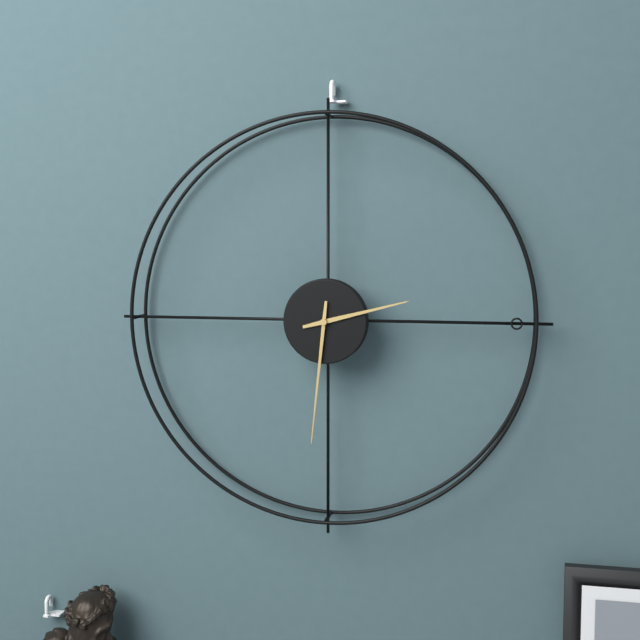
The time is h=2 m=31
